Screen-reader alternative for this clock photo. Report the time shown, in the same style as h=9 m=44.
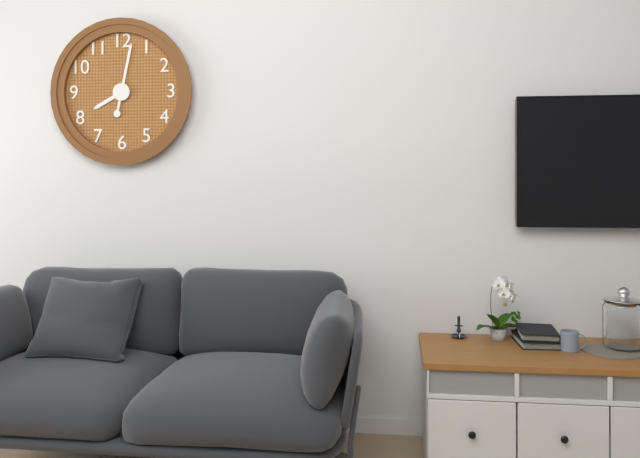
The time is h=8 m=2
